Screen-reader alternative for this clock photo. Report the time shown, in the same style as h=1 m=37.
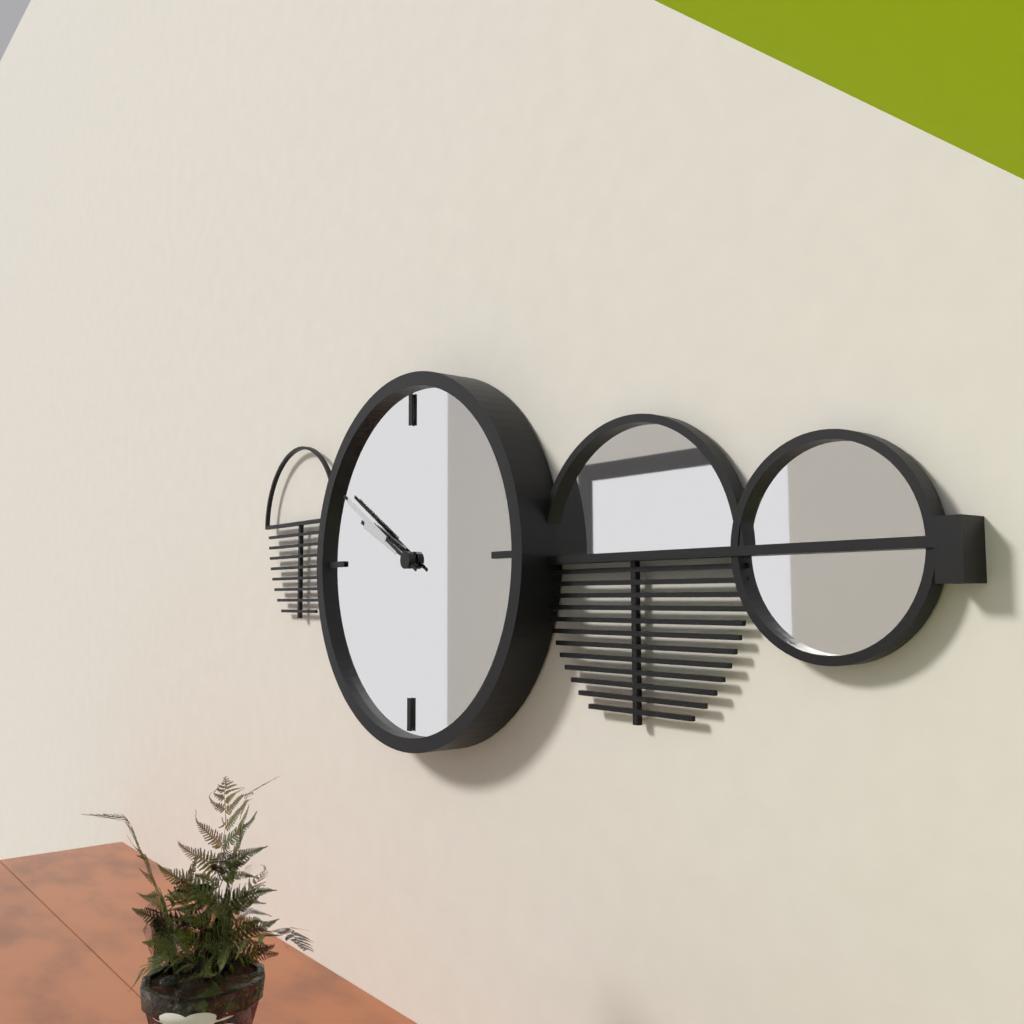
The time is h=9 m=50
